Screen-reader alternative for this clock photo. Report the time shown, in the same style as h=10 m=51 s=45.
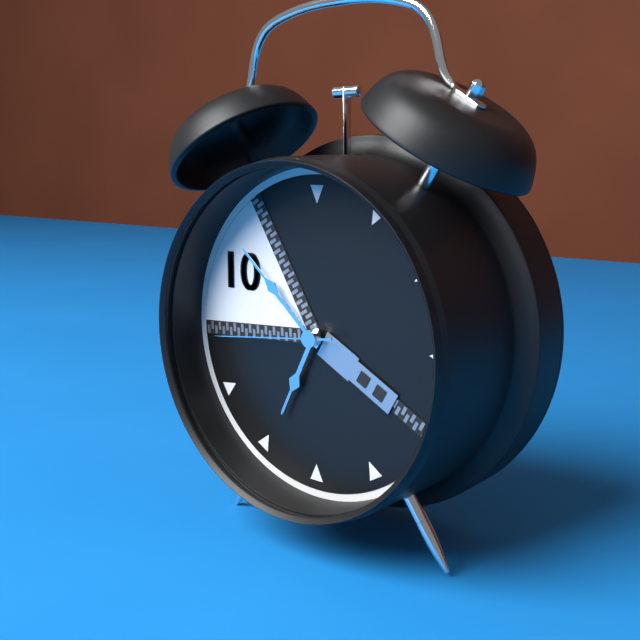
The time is h=6 m=52 s=44
